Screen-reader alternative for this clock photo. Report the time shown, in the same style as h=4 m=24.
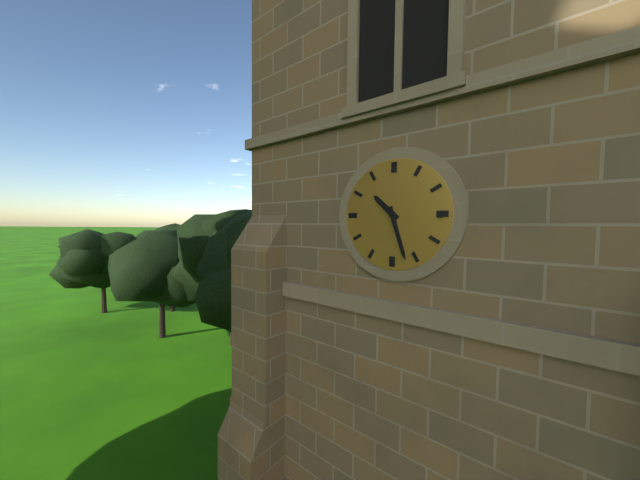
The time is h=10 m=27
